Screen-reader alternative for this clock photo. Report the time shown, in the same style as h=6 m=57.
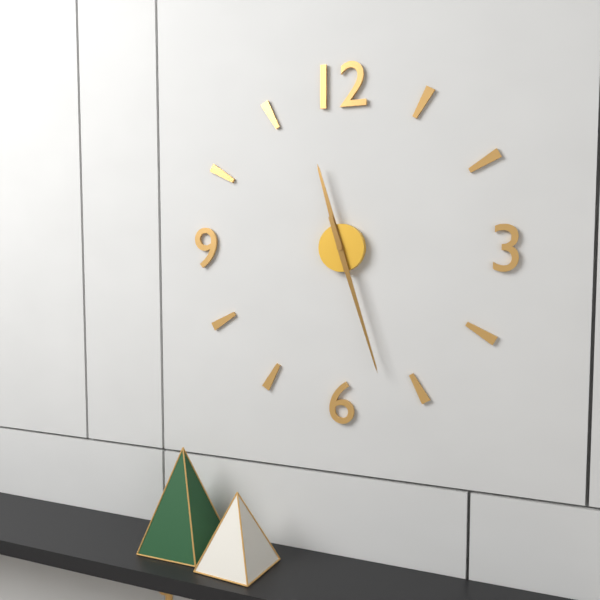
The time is h=11 m=27
